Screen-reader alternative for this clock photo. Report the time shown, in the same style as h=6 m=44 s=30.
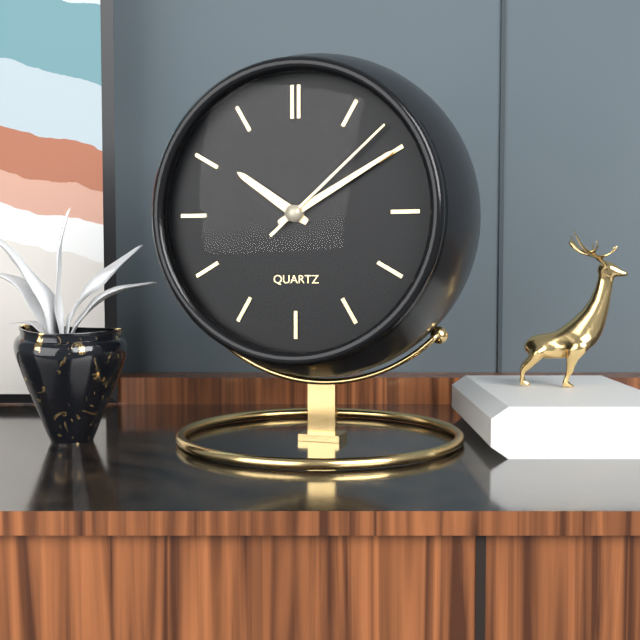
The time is h=10 m=10 s=8
